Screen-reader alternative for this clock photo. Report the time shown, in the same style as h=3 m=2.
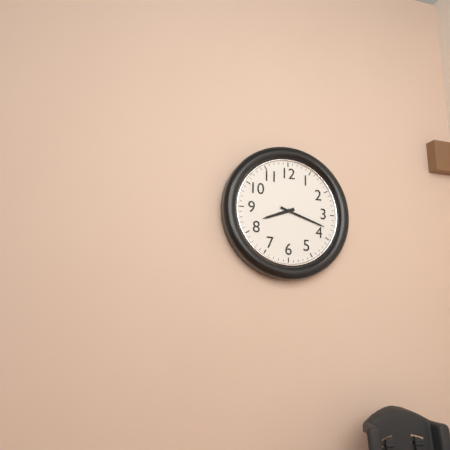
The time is h=8 m=18
